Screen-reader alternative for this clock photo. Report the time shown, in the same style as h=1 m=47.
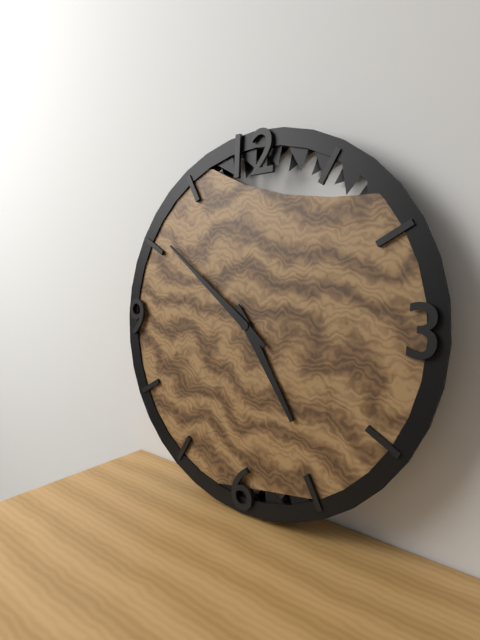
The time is h=4 m=51
